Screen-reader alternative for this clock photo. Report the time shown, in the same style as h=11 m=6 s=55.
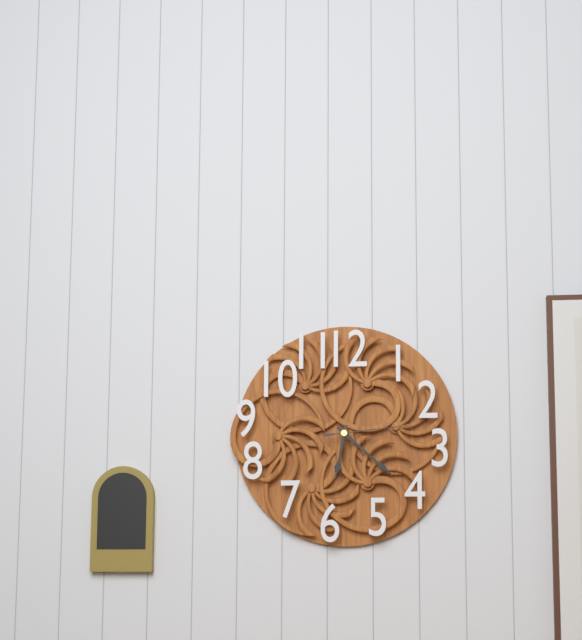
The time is h=6 m=22 s=14
